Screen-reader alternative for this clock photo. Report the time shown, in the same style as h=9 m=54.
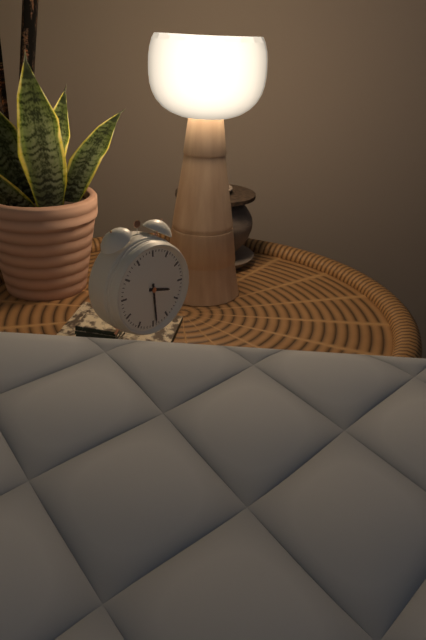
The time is h=3 m=29
